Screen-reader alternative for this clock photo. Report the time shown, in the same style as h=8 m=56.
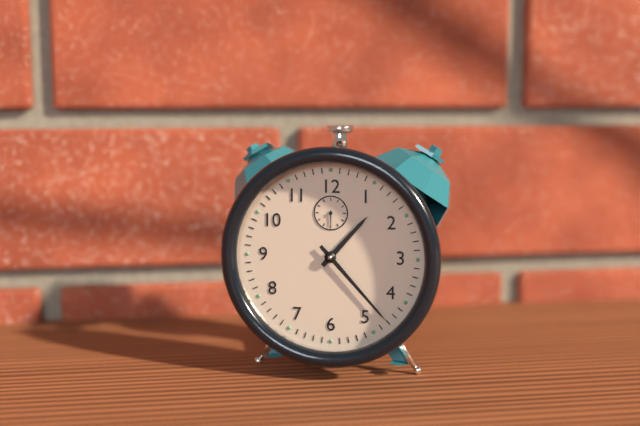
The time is h=1 m=23
